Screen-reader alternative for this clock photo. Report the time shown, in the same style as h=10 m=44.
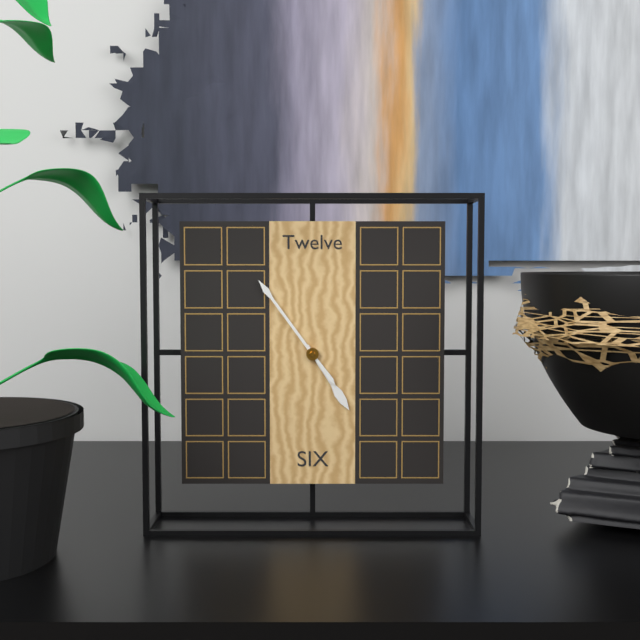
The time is h=4 m=54
